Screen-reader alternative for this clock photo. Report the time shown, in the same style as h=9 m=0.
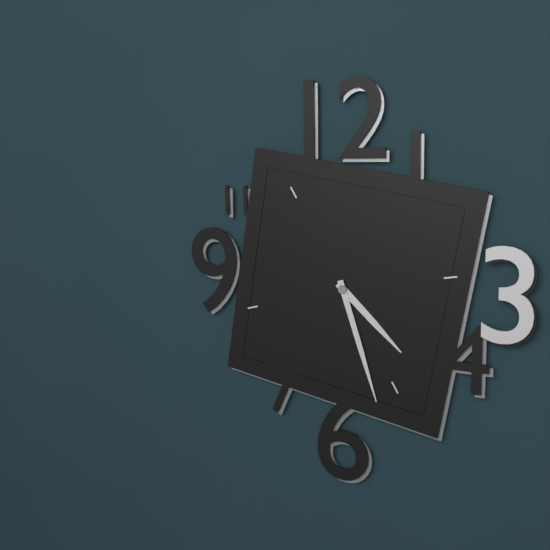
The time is h=4 m=27
